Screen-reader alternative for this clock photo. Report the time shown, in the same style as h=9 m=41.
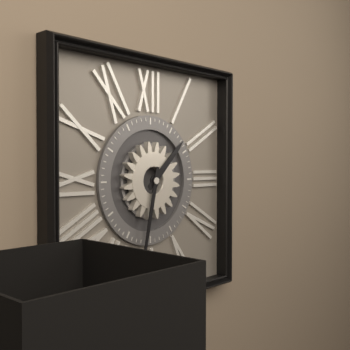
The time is h=1 m=32
